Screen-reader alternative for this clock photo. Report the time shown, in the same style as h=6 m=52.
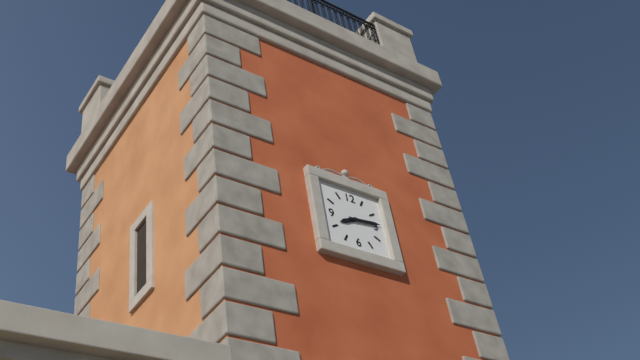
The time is h=8 m=14
